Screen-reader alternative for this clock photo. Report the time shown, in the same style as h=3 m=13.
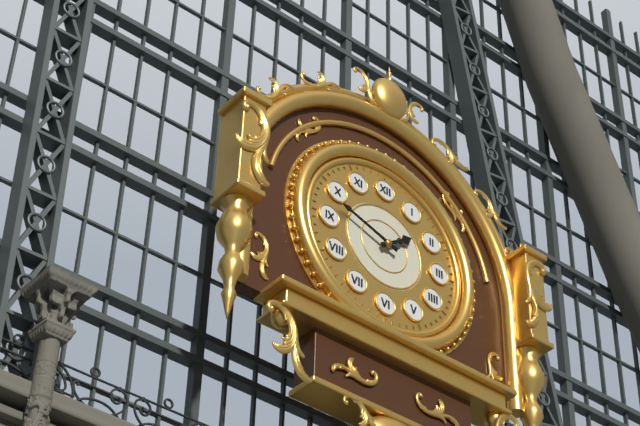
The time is h=1 m=48
